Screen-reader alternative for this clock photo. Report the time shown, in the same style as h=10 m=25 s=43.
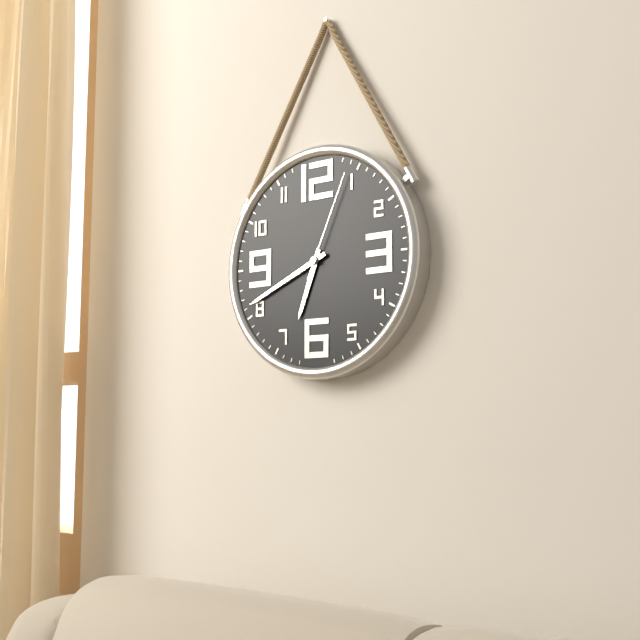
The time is h=6 m=41 s=4
